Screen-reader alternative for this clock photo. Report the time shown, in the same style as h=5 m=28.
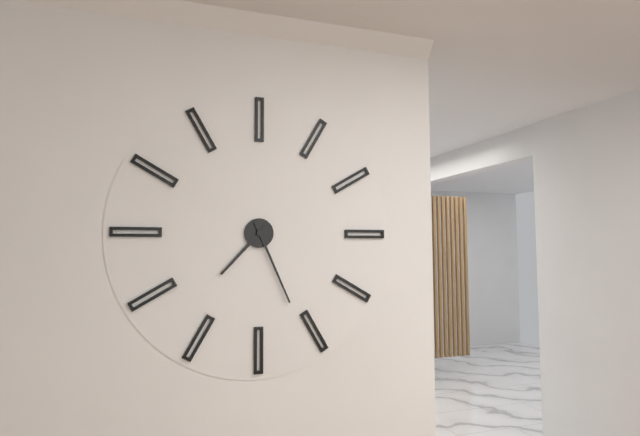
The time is h=7 m=26
